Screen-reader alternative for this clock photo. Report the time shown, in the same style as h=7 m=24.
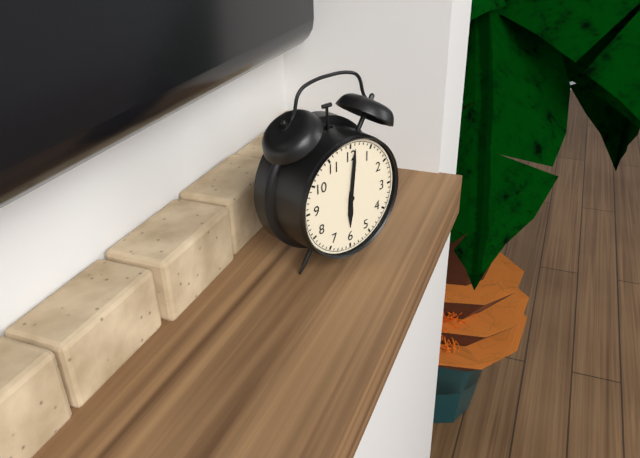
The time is h=6 m=1
